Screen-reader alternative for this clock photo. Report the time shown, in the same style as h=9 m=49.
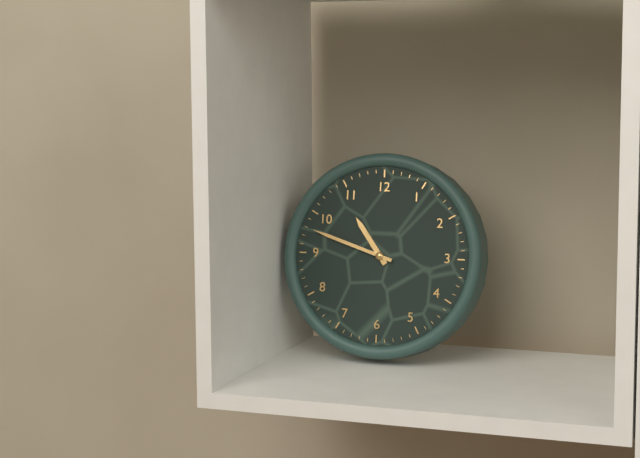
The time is h=10 m=48
